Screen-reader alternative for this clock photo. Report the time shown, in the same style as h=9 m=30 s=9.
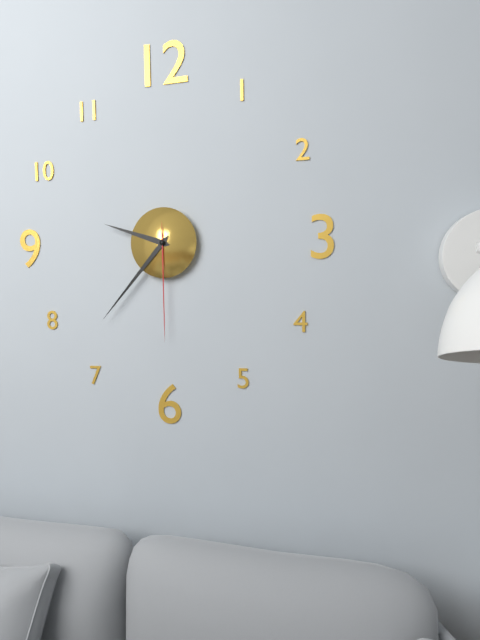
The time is h=9 m=37 s=30
